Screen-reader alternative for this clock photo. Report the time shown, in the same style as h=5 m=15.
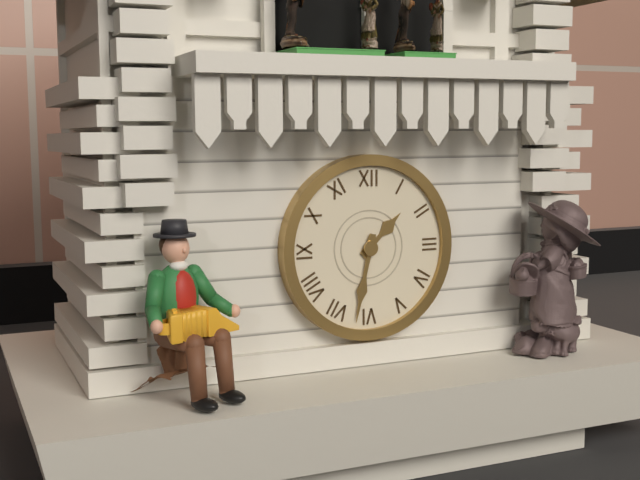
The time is h=1 m=32
